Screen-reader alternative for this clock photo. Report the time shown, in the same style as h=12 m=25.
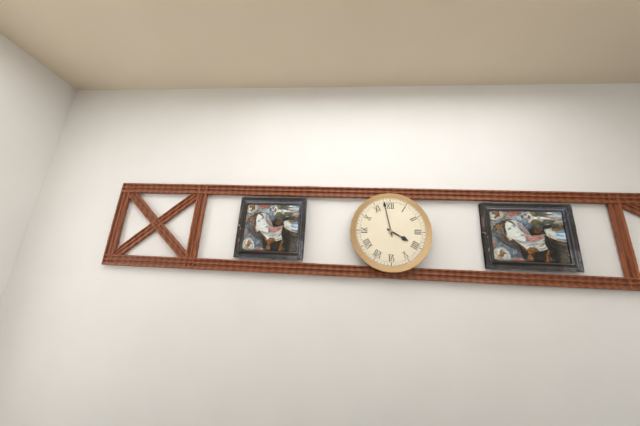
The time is h=3 m=58
